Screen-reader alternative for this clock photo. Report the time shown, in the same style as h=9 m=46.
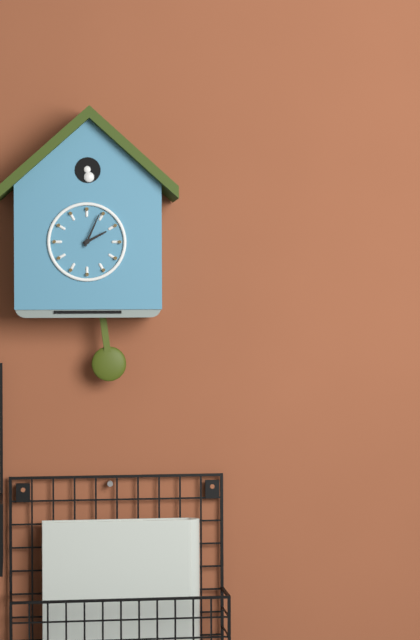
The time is h=2 m=4
